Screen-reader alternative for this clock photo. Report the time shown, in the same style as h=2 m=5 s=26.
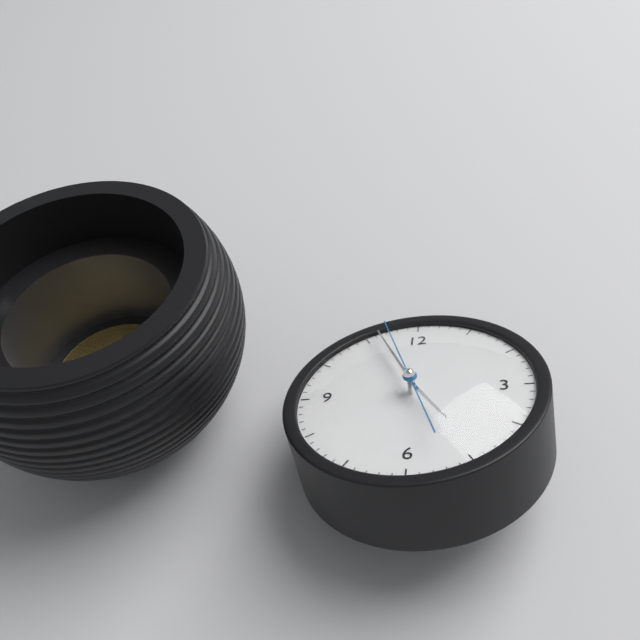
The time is h=4 m=56 s=57
